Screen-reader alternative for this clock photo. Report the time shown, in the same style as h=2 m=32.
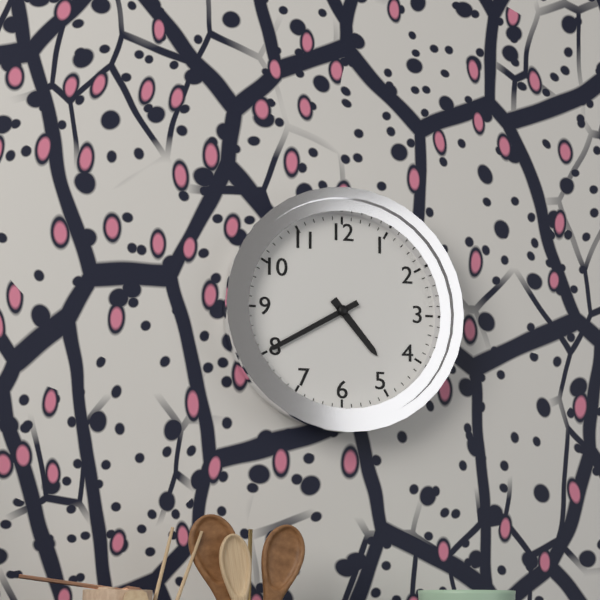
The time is h=4 m=40
